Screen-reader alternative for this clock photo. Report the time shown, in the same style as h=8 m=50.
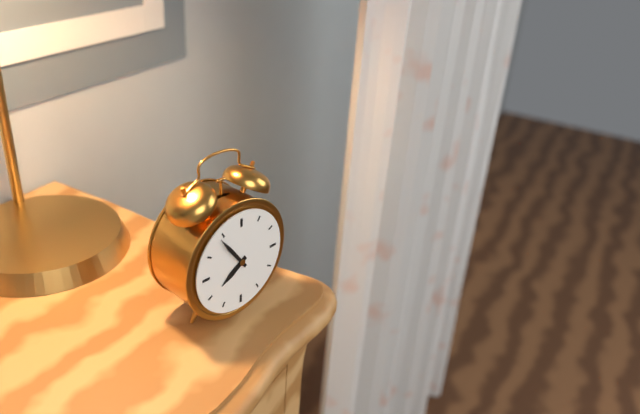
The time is h=7 m=54
